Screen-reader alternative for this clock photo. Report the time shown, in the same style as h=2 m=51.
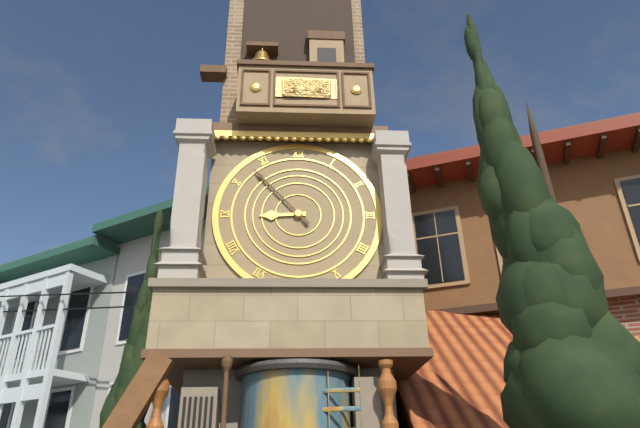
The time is h=8 m=53
